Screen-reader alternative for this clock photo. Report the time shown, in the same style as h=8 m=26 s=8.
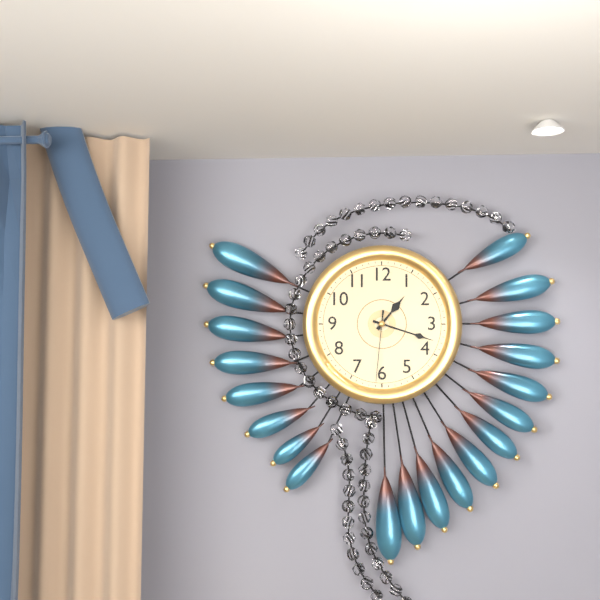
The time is h=1 m=18 s=31
